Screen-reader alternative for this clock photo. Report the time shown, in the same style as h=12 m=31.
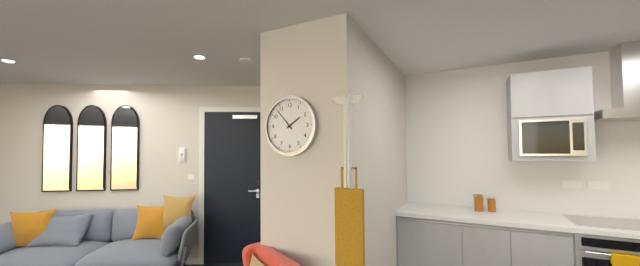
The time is h=1 m=53
